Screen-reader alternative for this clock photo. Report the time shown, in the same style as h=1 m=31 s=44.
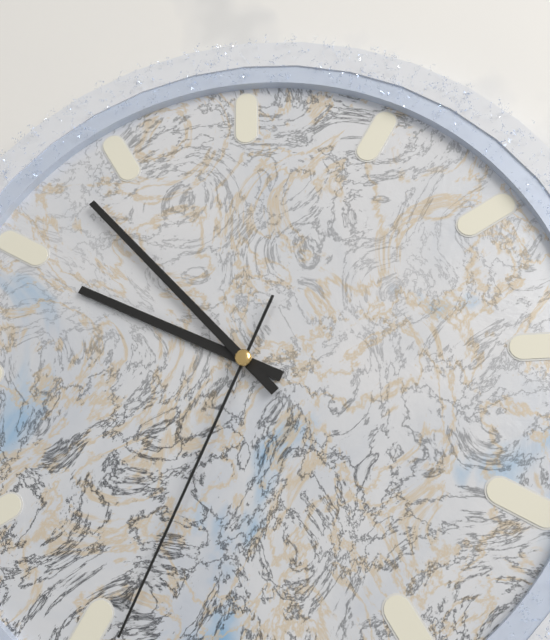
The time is h=9 m=53 s=34
